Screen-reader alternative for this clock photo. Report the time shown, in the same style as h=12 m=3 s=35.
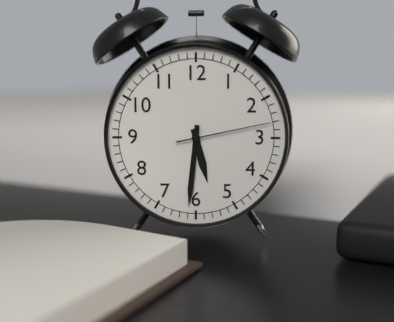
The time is h=5 m=31 s=13
